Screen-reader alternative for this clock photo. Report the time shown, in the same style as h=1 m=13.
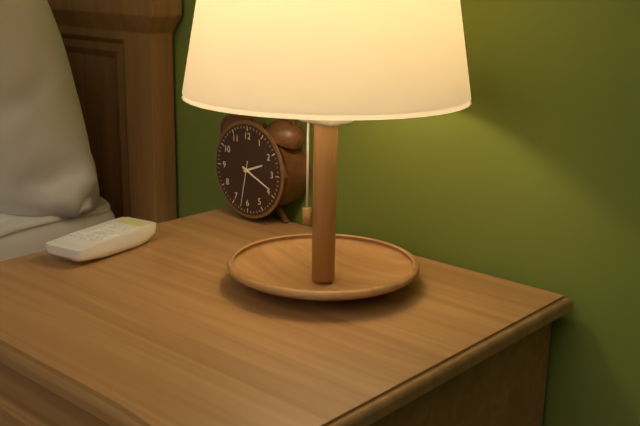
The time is h=2 m=19
